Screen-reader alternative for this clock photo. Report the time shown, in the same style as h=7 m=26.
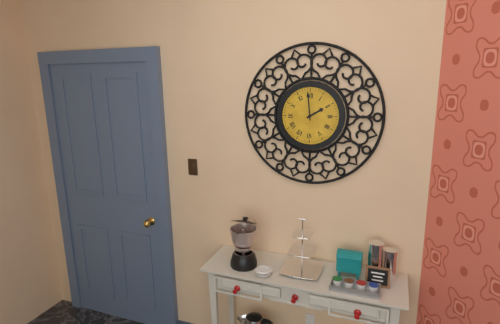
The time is h=1 m=59
